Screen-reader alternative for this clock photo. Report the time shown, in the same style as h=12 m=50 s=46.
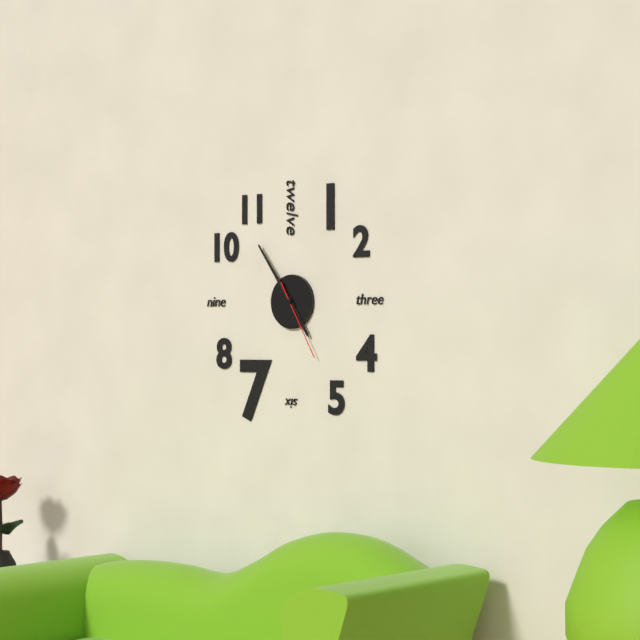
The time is h=4 m=54 s=25
